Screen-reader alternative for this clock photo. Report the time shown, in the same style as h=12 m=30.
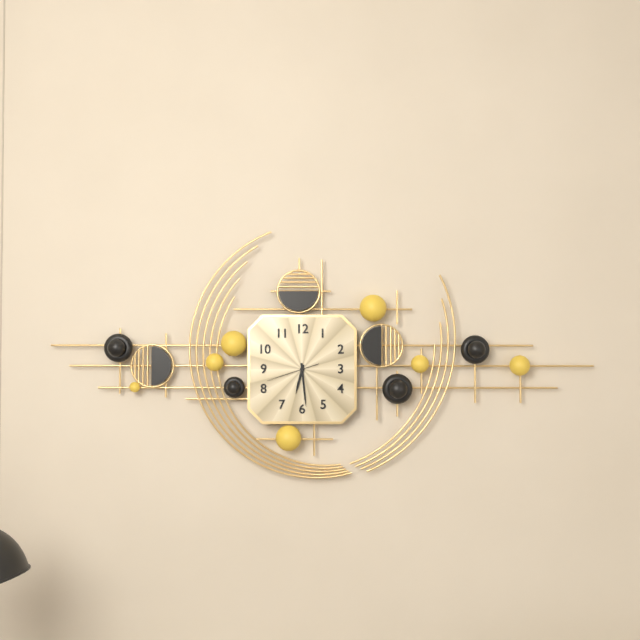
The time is h=6 m=29
